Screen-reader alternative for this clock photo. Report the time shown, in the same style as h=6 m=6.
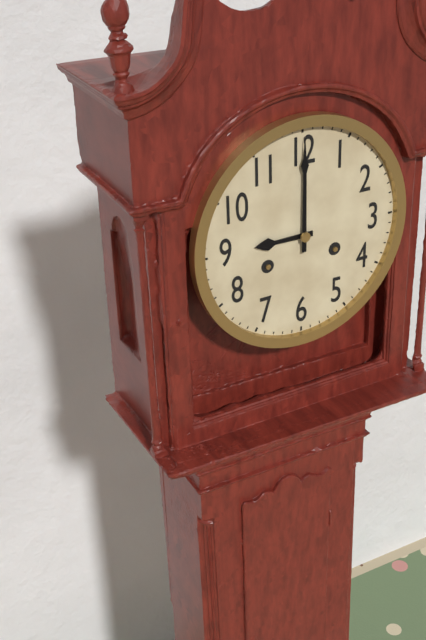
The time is h=9 m=0
